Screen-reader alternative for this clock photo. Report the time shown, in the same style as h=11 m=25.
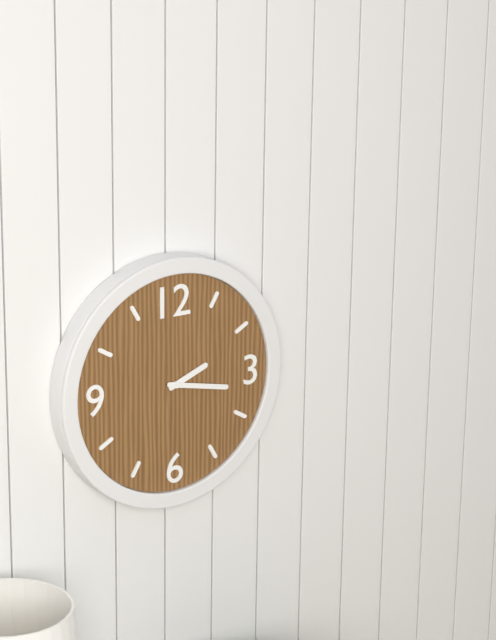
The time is h=2 m=17
